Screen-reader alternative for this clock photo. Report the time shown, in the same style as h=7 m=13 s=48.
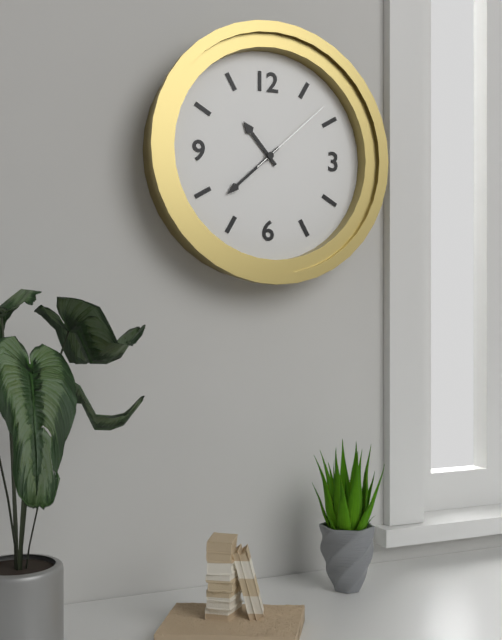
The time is h=10 m=38 s=8
